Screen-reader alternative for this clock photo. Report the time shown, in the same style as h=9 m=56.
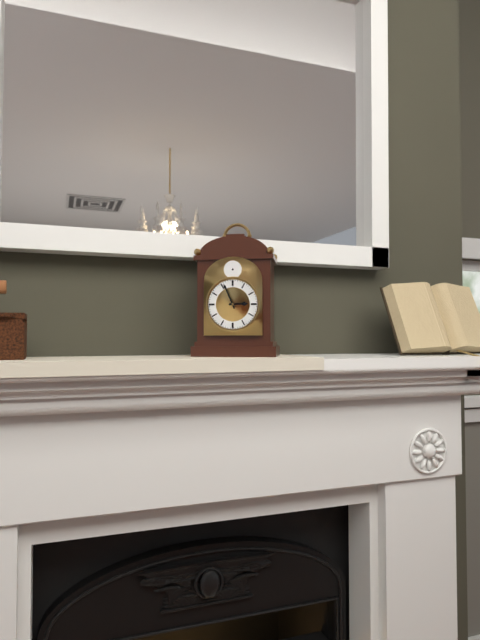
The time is h=2 m=56
